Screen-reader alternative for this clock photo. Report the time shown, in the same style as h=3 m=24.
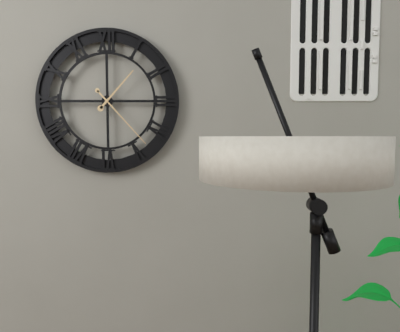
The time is h=1 m=23
